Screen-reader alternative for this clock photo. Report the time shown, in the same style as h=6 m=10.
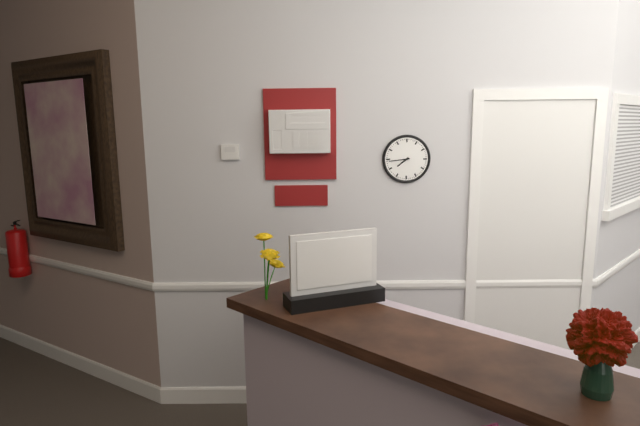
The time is h=7 m=44
